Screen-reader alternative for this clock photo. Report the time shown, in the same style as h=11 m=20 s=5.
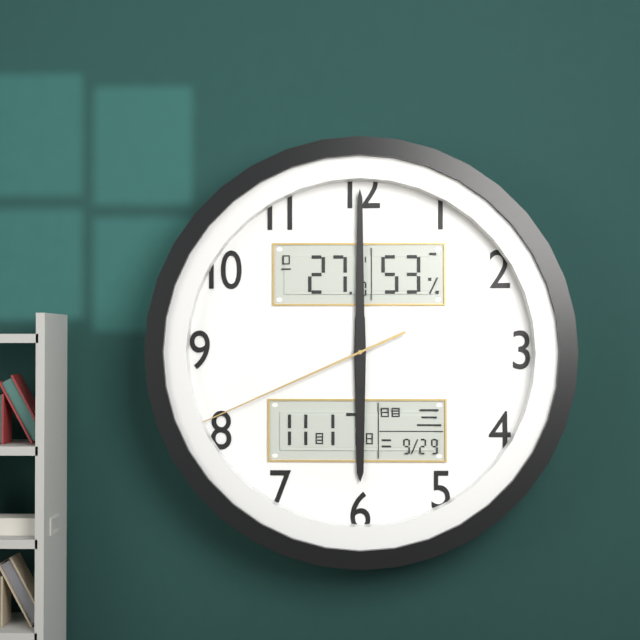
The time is h=6 m=0 s=41
